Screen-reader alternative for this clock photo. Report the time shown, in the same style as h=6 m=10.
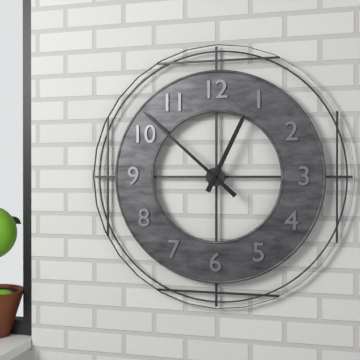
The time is h=12 m=52
